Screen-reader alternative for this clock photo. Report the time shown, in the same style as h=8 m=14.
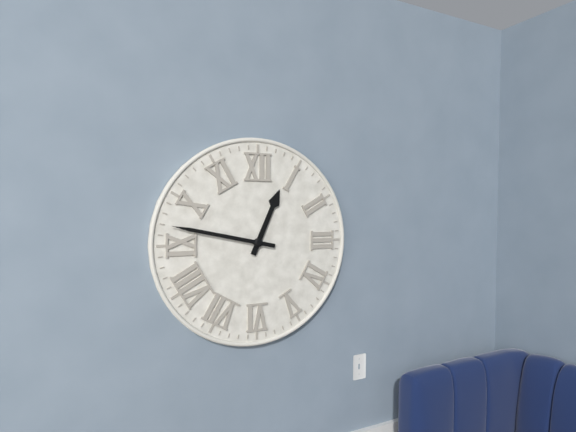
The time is h=12 m=47
